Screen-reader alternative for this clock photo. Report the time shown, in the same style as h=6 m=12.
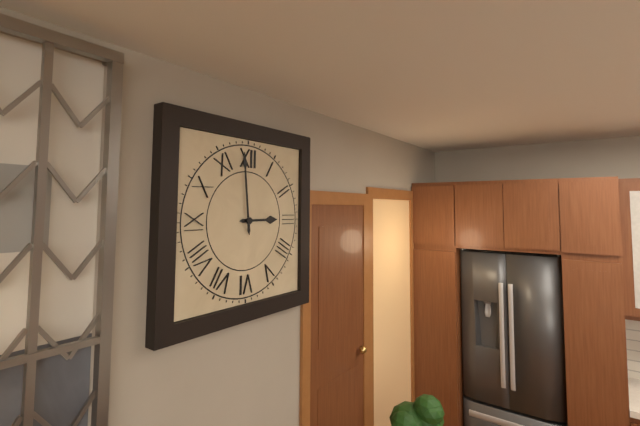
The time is h=2 m=59
